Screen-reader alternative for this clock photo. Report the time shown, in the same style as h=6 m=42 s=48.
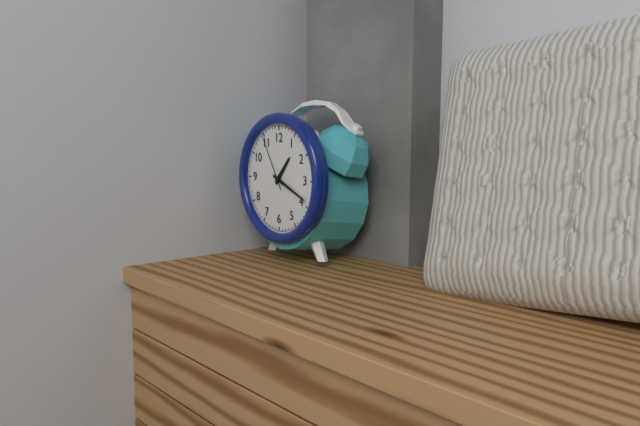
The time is h=1 m=19 s=55
